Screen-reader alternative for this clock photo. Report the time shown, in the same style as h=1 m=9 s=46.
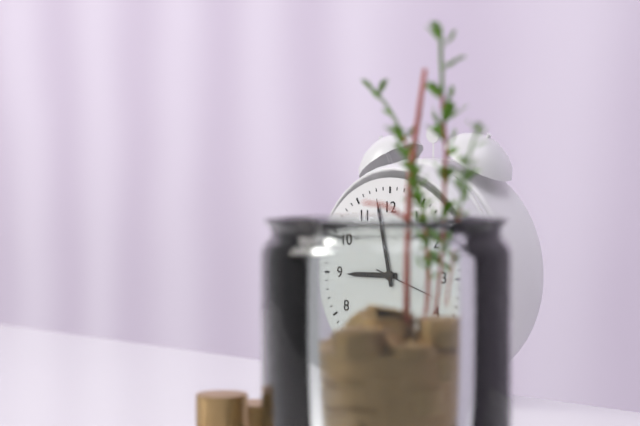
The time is h=8 m=58 s=18
